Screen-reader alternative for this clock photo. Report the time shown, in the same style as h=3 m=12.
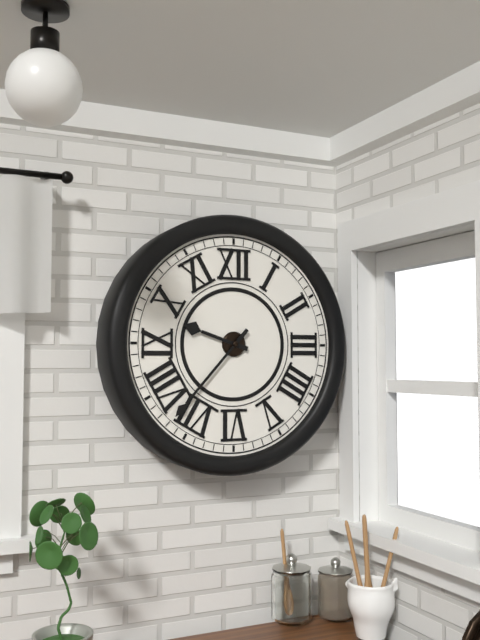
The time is h=9 m=37
